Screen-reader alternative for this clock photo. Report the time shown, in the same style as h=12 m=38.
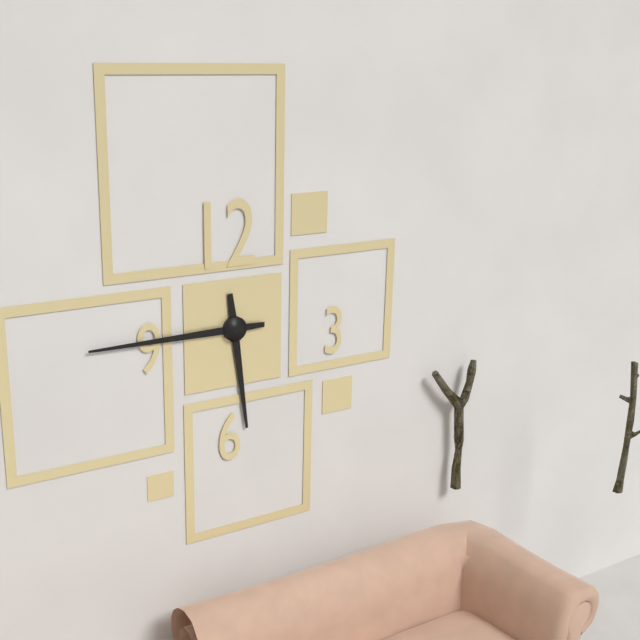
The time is h=5 m=45
